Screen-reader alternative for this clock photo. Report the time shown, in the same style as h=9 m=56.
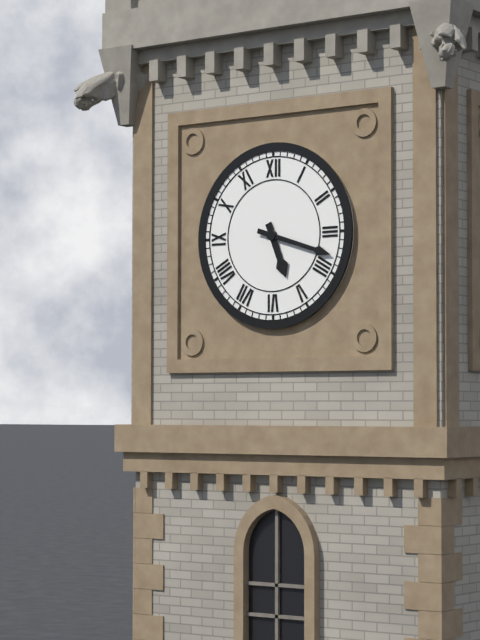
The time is h=5 m=18
